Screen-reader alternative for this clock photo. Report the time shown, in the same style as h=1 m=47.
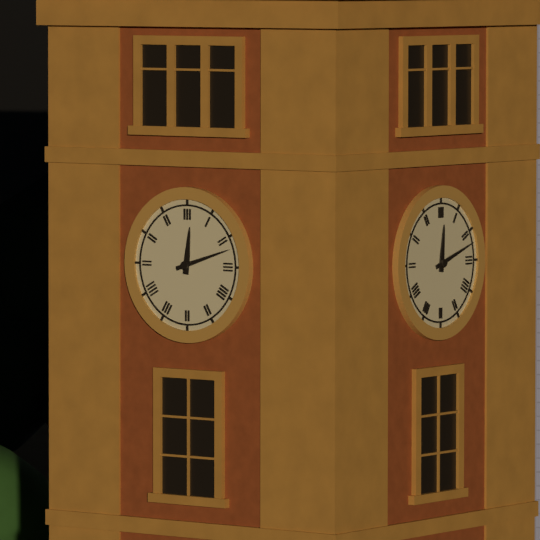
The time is h=12 m=12
